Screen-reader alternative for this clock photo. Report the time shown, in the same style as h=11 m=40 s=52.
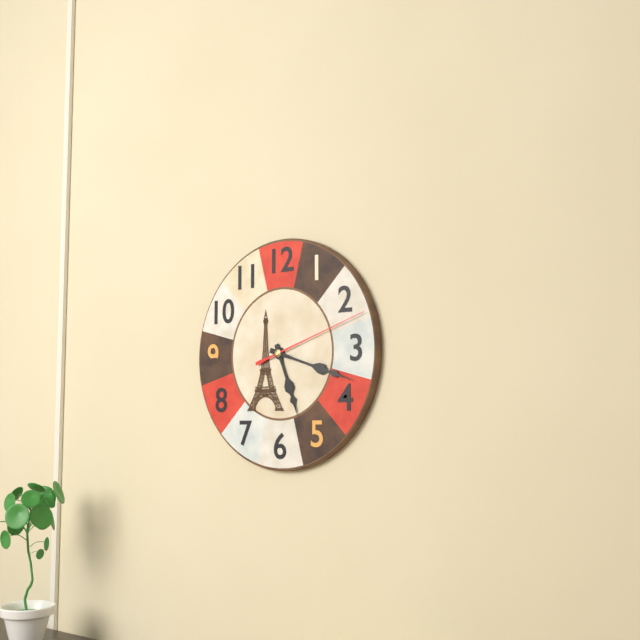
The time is h=5 m=18 s=12
